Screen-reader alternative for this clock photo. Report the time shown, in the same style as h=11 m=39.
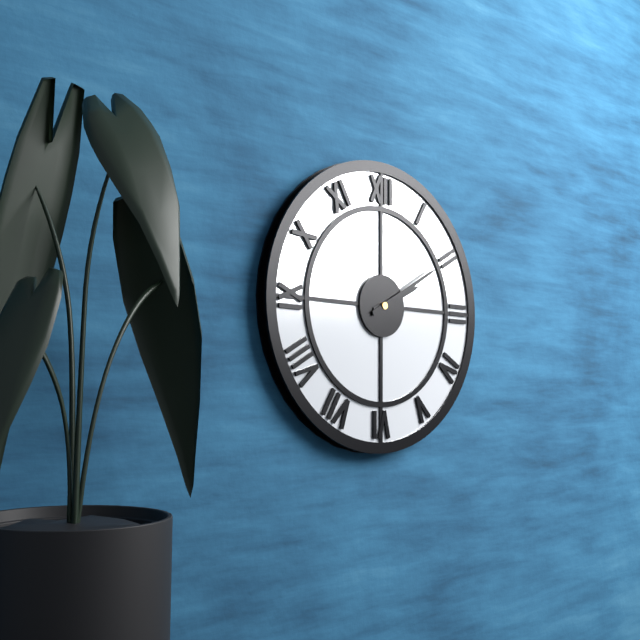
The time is h=2 m=10
